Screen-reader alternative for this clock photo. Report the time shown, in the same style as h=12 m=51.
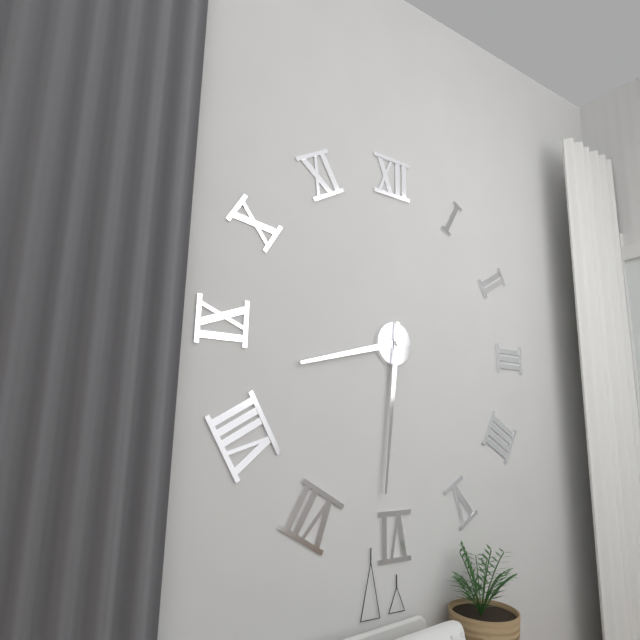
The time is h=8 m=31
